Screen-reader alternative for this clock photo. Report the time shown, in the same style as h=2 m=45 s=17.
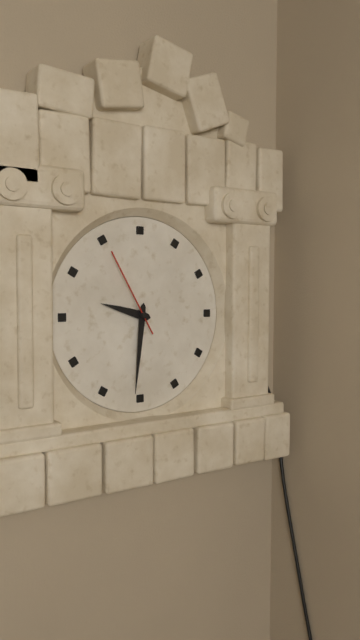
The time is h=9 m=31 s=55
